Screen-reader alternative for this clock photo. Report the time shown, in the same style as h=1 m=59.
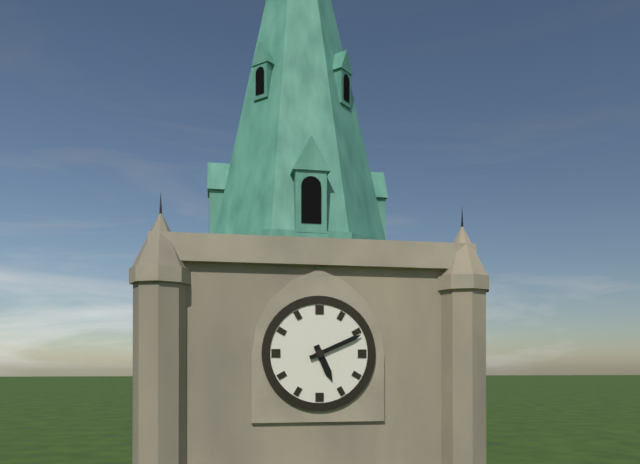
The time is h=5 m=11
